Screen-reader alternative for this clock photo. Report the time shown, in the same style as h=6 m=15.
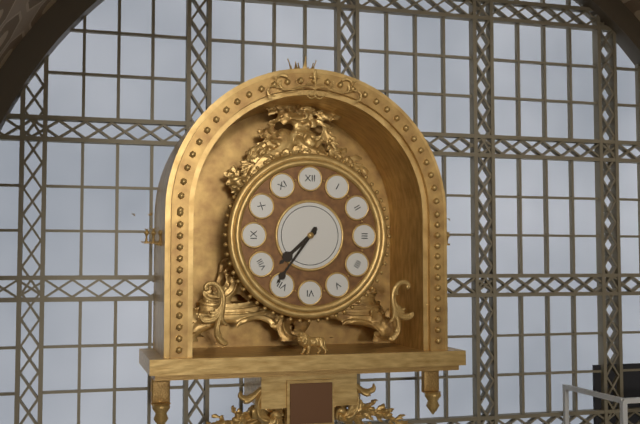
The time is h=7 m=36
